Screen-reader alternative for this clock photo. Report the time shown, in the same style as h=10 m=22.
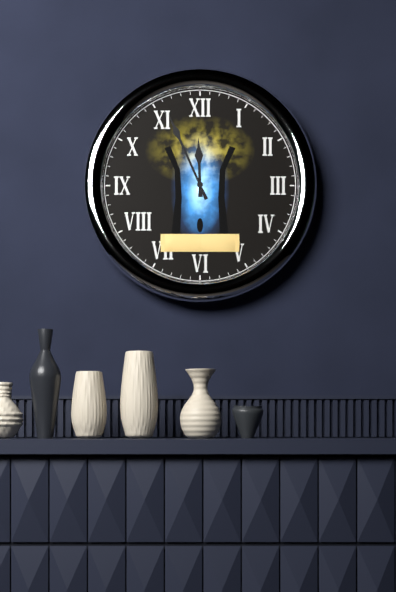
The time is h=11 m=56
